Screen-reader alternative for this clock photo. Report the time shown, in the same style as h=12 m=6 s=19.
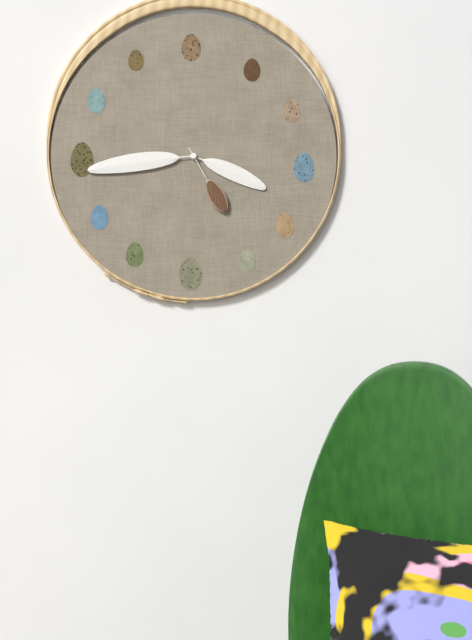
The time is h=3 m=44 s=25
